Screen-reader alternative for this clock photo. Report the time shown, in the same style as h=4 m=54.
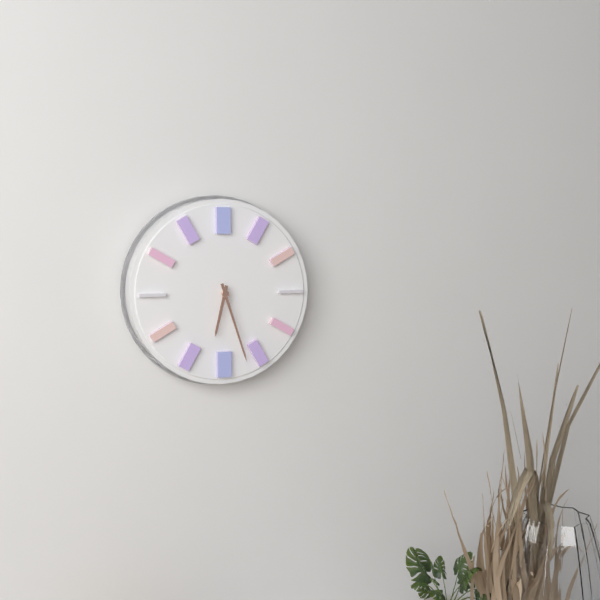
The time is h=6 m=27
